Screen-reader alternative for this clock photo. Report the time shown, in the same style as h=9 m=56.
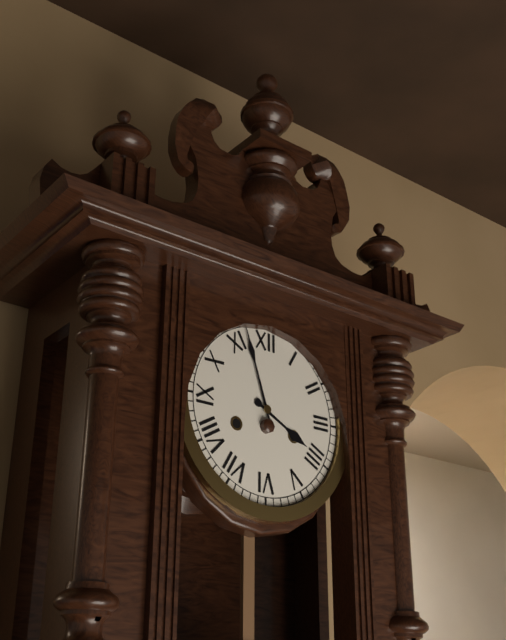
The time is h=3 m=57
